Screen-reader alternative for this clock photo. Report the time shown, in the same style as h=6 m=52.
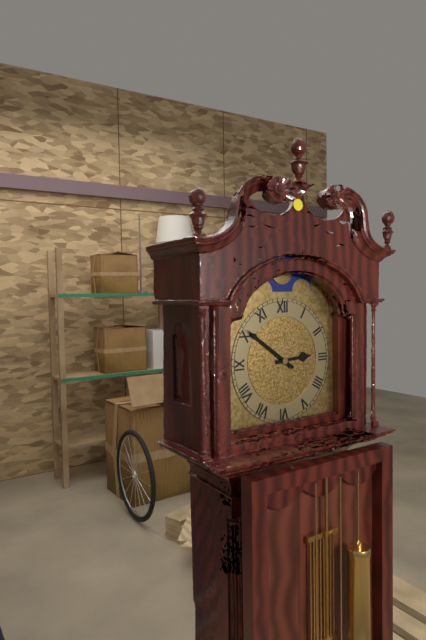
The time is h=2 m=51
